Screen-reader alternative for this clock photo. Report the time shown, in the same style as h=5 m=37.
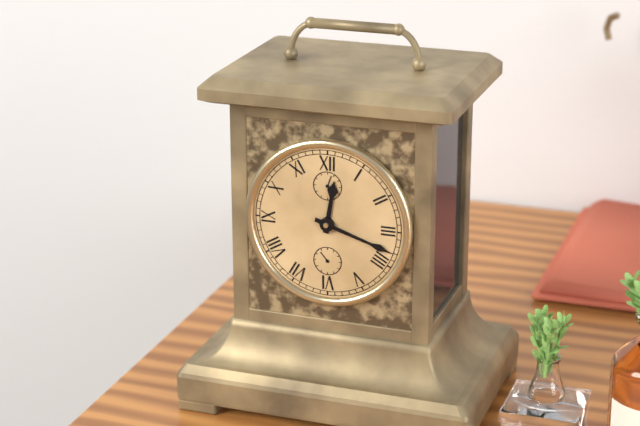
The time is h=12 m=18
